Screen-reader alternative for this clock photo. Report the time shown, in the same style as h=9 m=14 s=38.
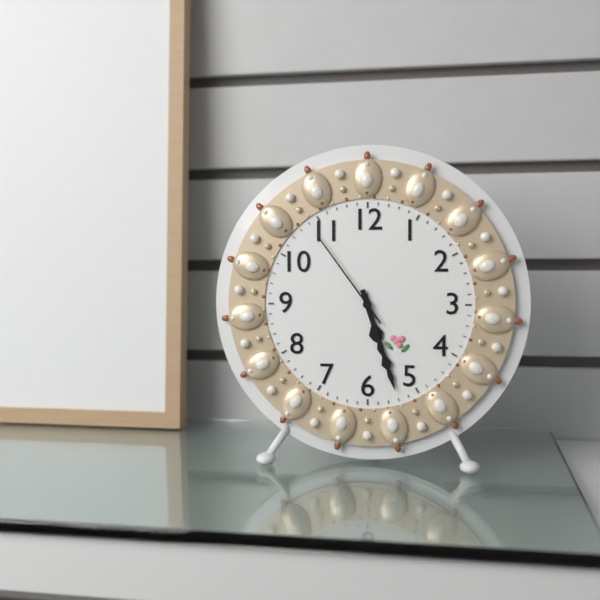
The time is h=5 m=27 s=54
